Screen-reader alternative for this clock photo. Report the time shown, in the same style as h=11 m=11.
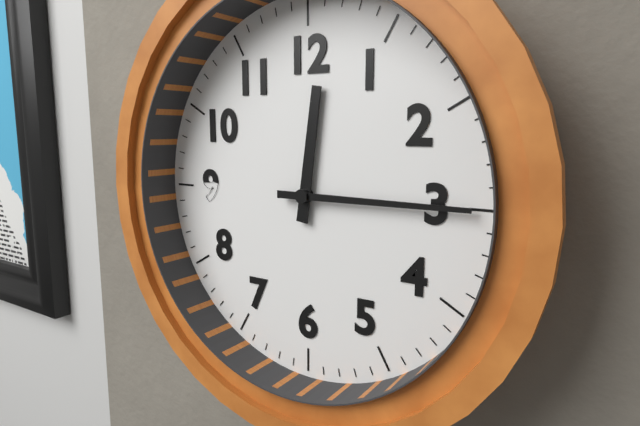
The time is h=12 m=15
